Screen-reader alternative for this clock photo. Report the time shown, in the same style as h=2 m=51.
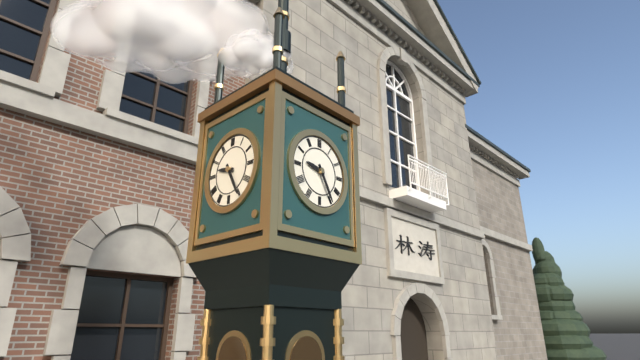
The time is h=9 m=25
